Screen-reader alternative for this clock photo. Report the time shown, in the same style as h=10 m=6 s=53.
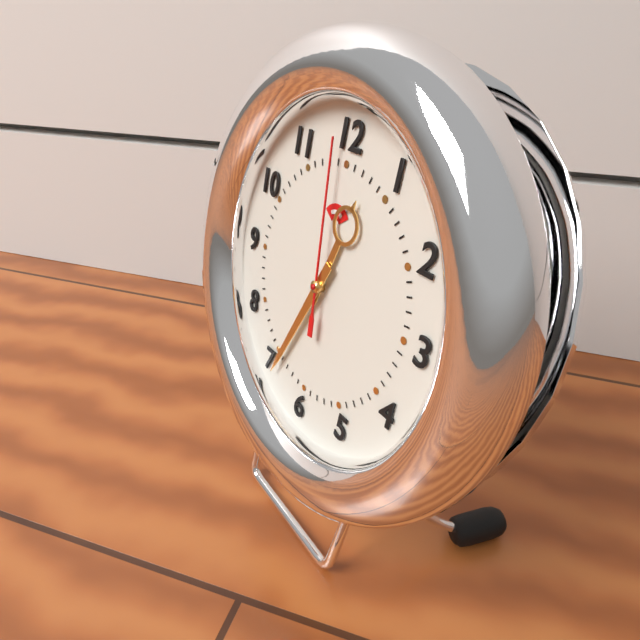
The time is h=12 m=34 s=59
